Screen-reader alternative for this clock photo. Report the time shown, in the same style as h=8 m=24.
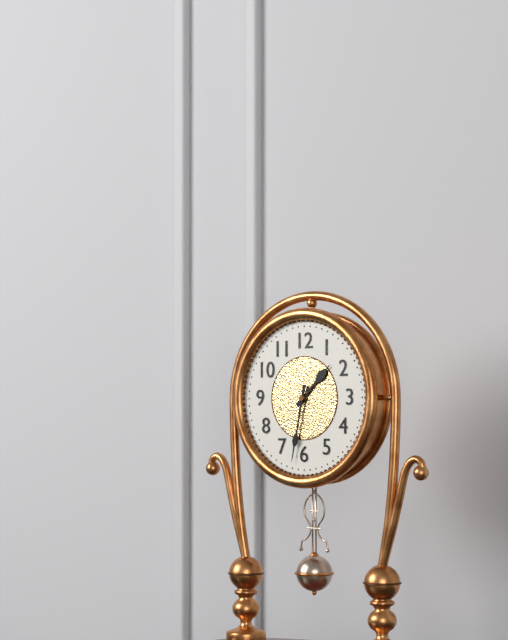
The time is h=1 m=32
